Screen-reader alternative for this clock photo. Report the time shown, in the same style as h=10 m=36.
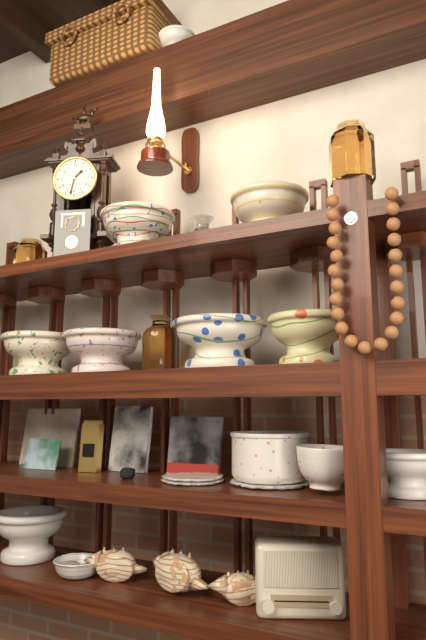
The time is h=1 m=32
